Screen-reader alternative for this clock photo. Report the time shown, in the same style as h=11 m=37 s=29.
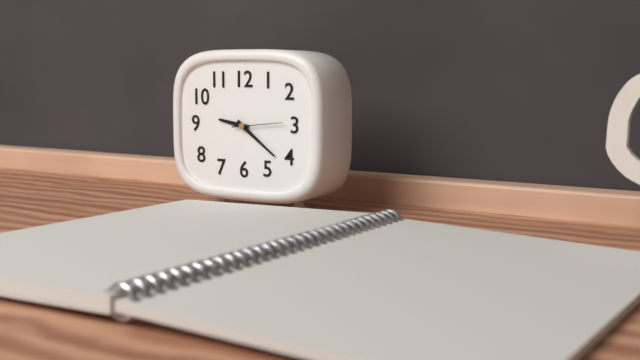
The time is h=9 m=21 s=14
